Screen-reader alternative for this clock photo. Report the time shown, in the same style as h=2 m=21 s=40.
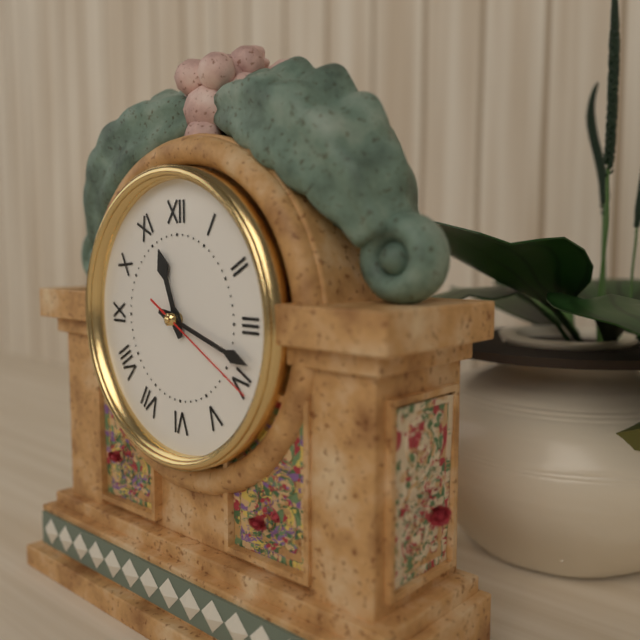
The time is h=11 m=18 s=20
